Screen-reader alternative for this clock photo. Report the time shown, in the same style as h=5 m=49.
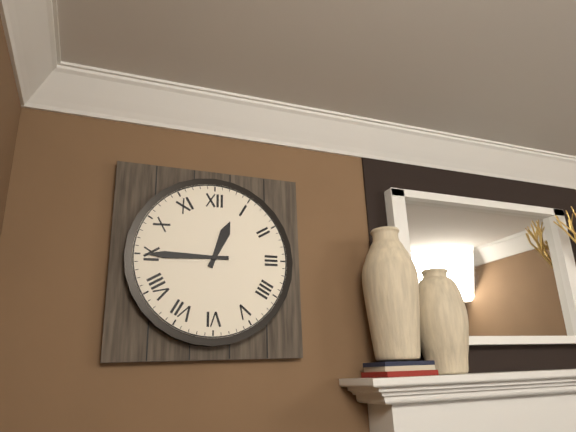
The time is h=12 m=45
